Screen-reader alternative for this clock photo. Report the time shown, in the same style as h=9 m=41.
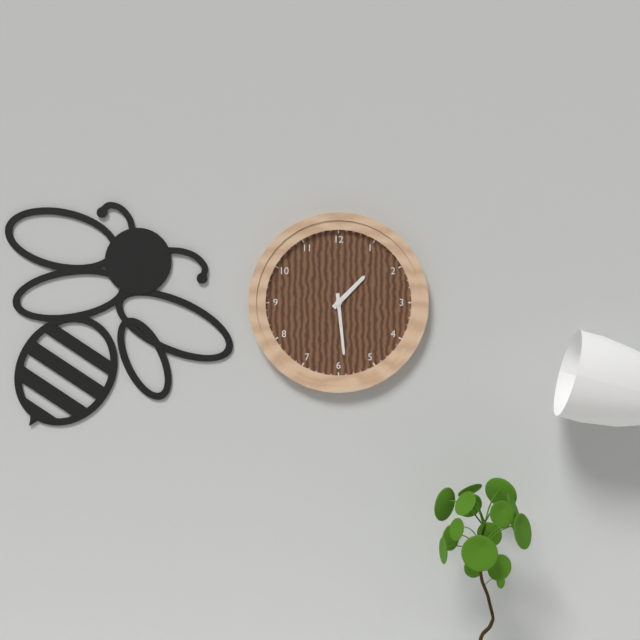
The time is h=1 m=29
